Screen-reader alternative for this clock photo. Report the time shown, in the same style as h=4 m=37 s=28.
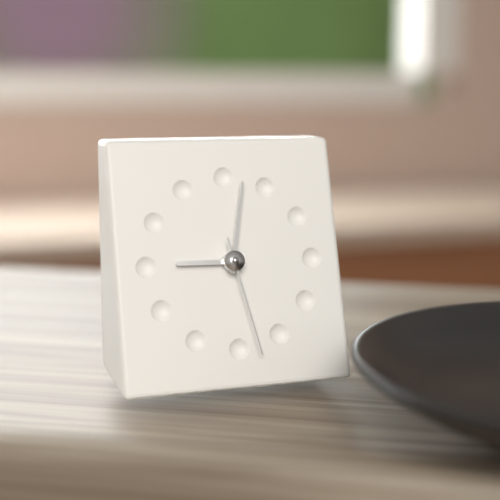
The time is h=9 m=2 s=28
